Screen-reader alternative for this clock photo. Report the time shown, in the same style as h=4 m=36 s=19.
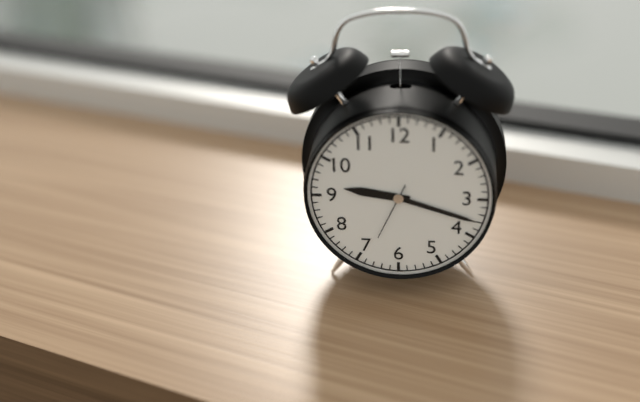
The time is h=9 m=18 s=34
